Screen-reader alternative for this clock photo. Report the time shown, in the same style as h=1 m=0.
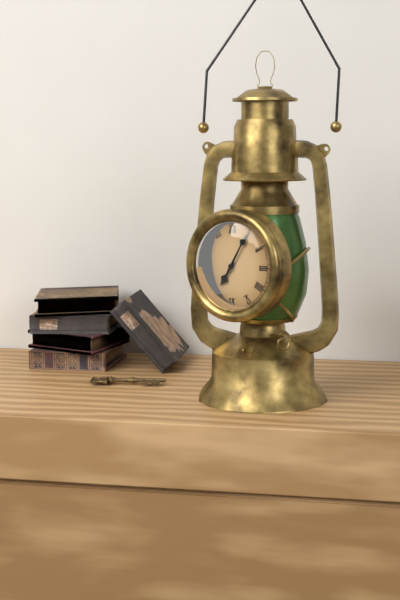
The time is h=7 m=5
